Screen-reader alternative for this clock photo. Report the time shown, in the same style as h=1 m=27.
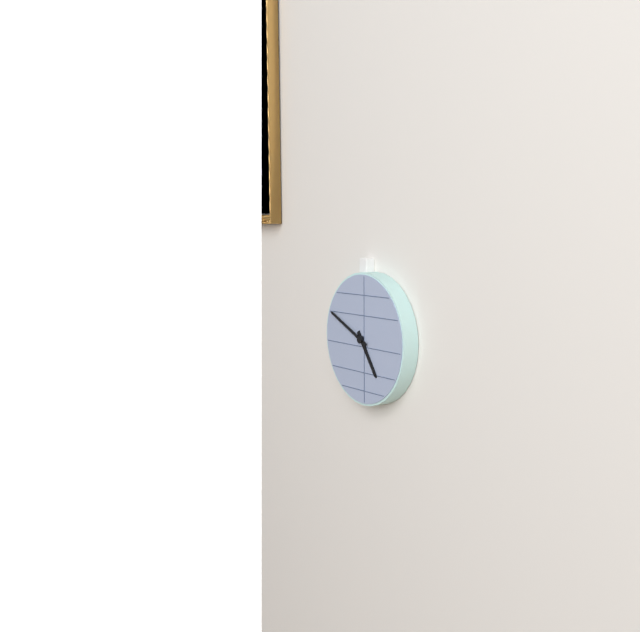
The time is h=4 m=49
